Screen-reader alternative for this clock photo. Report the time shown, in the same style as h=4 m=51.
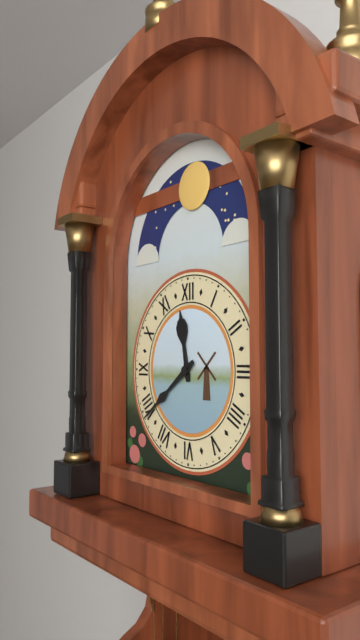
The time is h=11 m=39
